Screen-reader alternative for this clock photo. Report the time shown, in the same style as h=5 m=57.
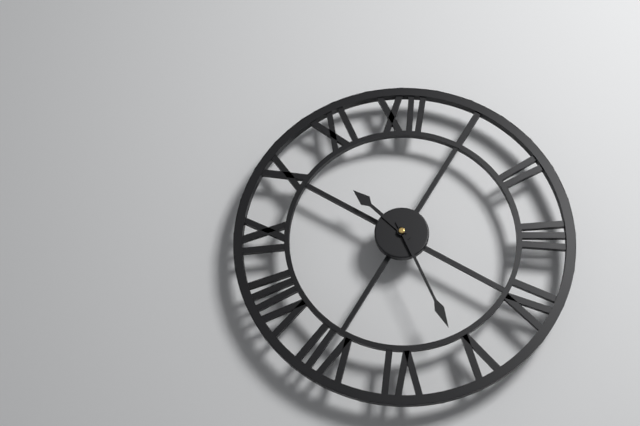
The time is h=10 m=26
